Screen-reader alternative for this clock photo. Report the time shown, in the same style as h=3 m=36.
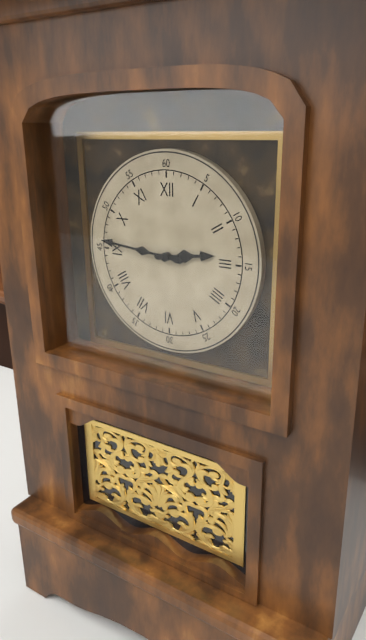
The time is h=2 m=46
